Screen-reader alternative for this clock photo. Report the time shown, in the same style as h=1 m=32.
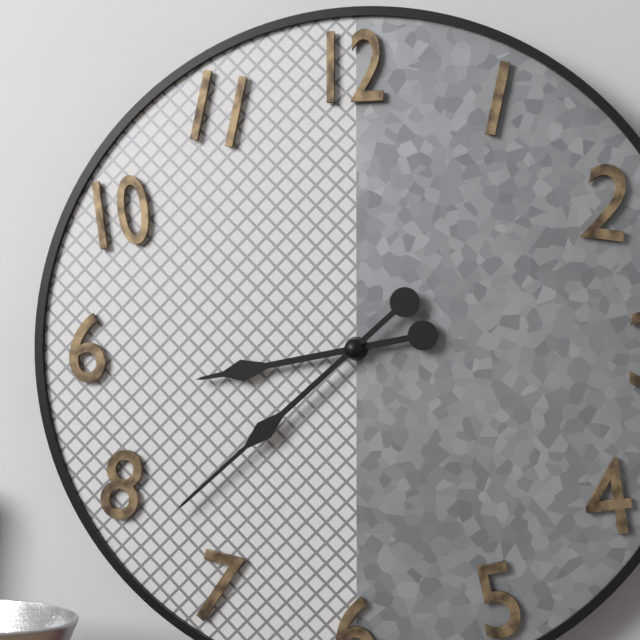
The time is h=8 m=38
